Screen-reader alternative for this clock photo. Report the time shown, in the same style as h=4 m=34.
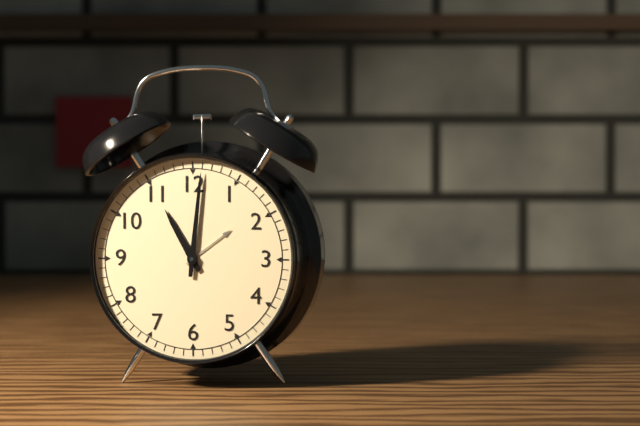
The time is h=11 m=1
